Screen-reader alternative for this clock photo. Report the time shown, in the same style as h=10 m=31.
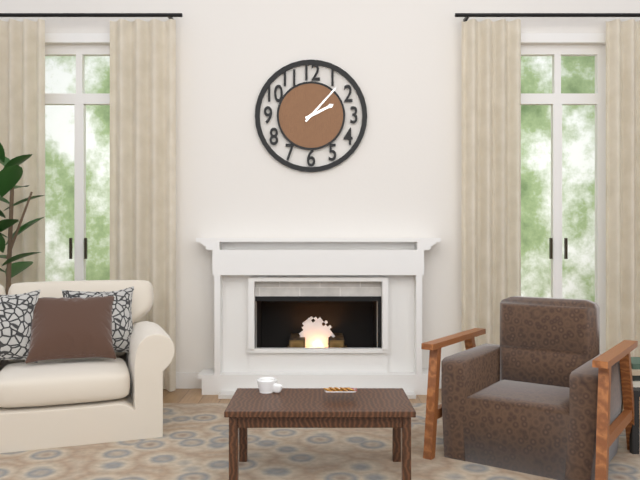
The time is h=2 m=7
